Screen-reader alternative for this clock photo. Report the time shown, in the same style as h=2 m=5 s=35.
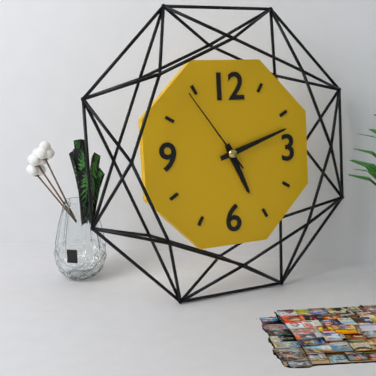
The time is h=5 m=12 s=54
